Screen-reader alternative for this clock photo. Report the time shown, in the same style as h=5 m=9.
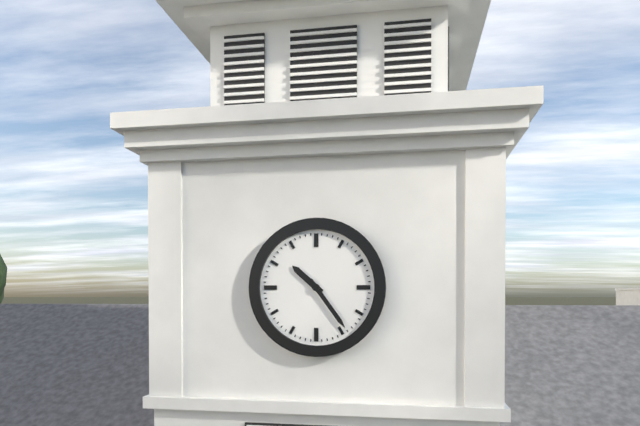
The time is h=10 m=24
